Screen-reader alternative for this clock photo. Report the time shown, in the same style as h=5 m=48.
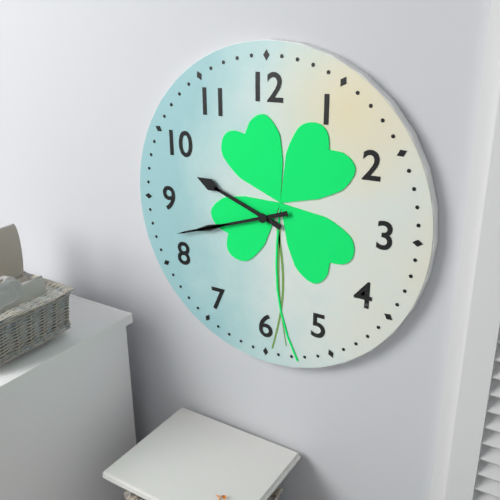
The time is h=9 m=42
